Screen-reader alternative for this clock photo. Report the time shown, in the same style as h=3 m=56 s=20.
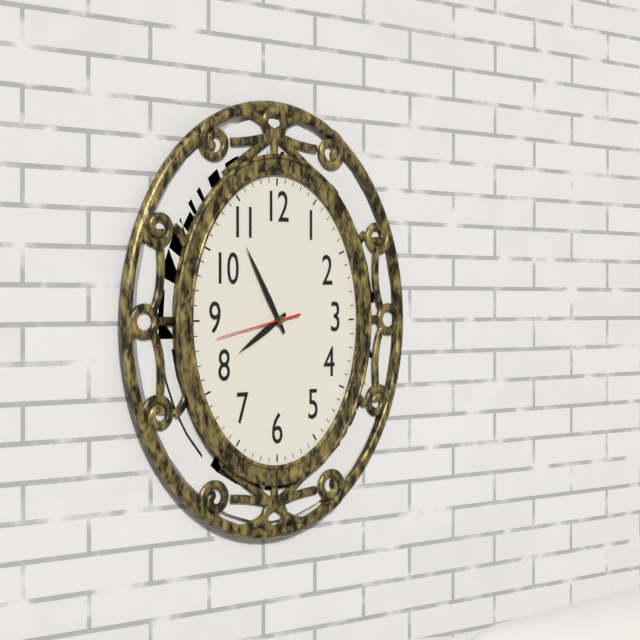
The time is h=7 m=55 s=43
